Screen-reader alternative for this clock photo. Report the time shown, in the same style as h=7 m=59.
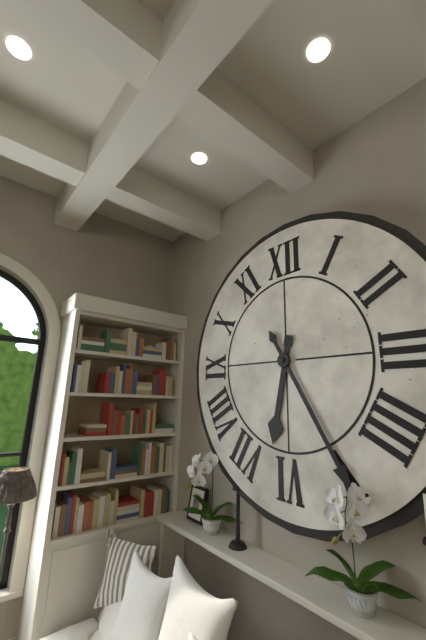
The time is h=6 m=25
